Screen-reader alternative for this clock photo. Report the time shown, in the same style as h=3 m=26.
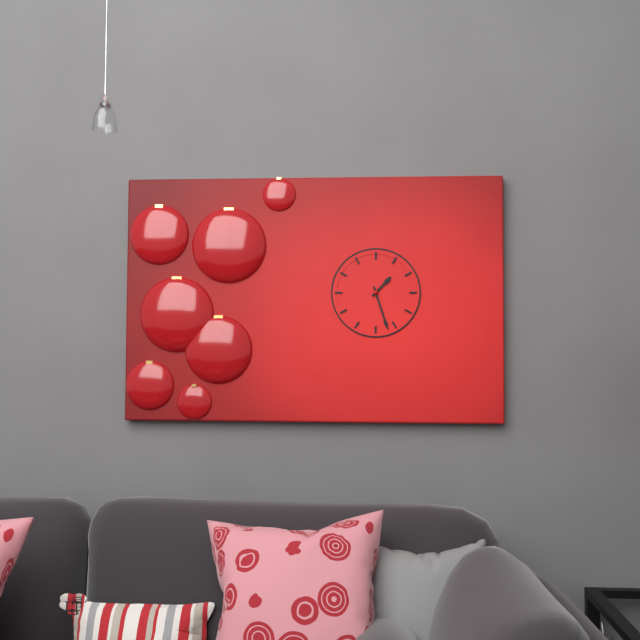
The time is h=1 m=27
